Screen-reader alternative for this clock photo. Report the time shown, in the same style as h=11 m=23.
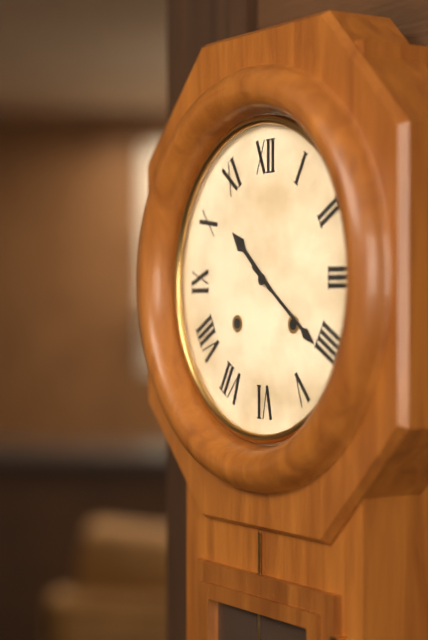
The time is h=10 m=21
